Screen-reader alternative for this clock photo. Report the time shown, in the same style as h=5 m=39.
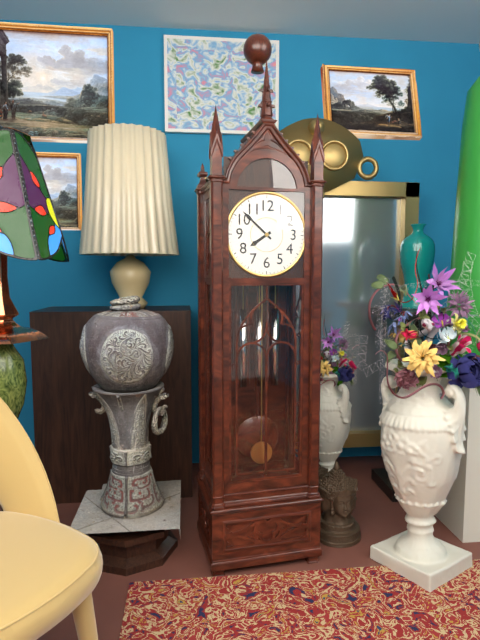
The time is h=7 m=52
